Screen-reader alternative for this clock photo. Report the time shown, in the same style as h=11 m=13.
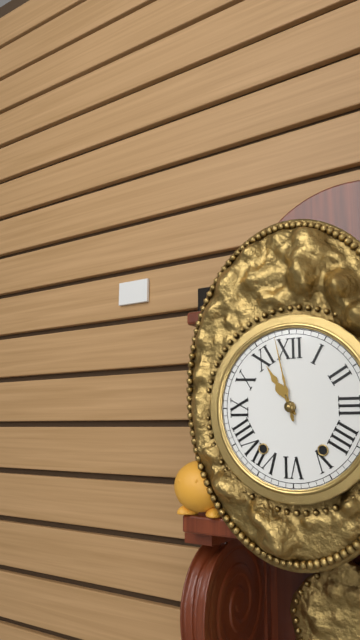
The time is h=10 m=58
